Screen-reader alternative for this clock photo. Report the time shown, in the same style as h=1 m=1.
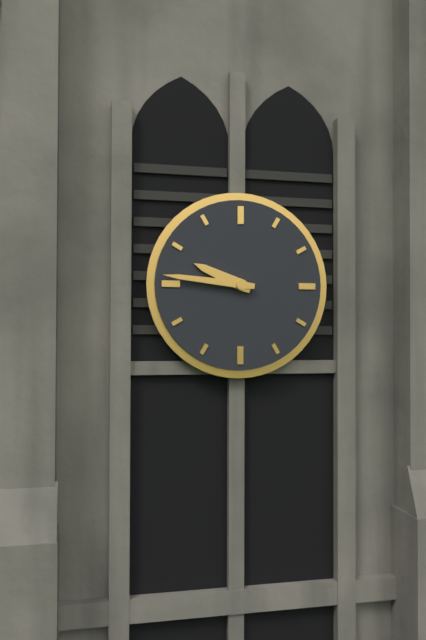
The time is h=9 m=46
